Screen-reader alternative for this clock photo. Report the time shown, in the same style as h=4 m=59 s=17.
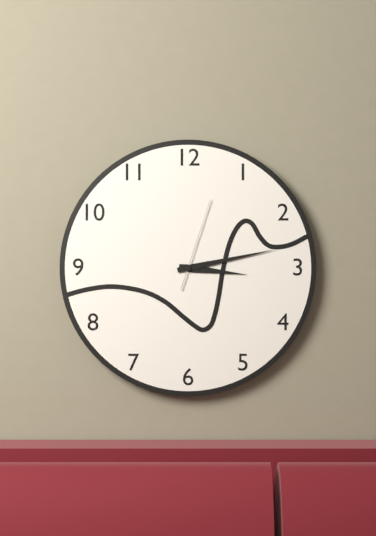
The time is h=3 m=13 s=3
